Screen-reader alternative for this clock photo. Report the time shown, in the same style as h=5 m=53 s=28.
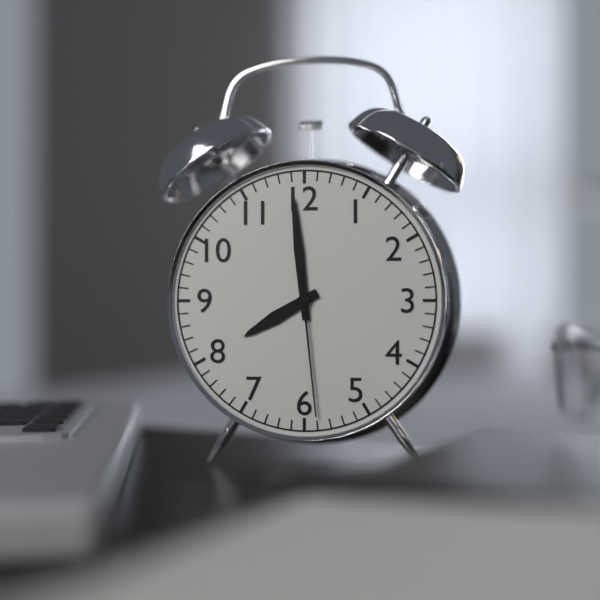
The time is h=7 m=59 s=29
